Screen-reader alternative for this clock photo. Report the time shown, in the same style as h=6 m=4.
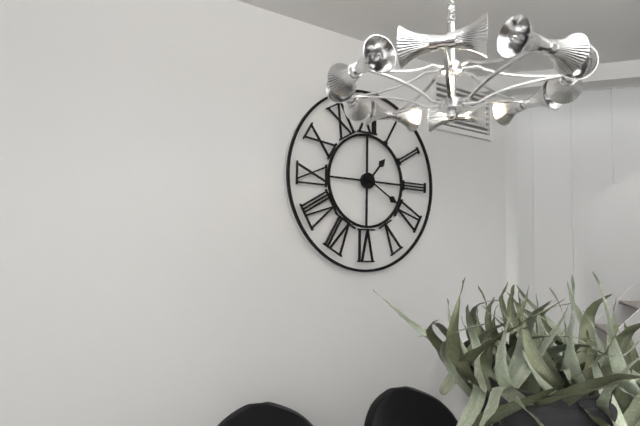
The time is h=1 m=20
